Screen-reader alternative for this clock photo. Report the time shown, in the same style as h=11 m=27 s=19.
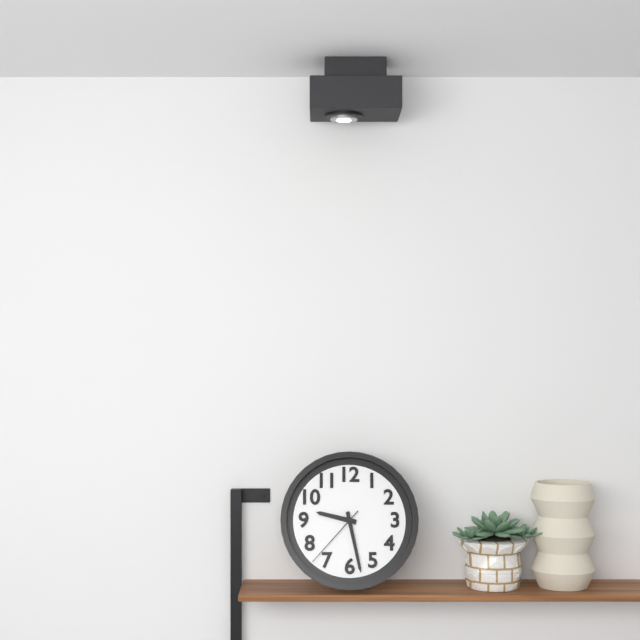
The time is h=9 m=28 s=37
